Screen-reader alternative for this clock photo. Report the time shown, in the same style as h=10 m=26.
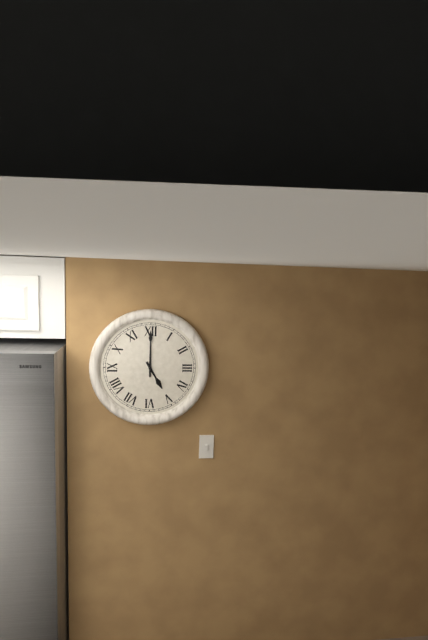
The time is h=5 m=0
